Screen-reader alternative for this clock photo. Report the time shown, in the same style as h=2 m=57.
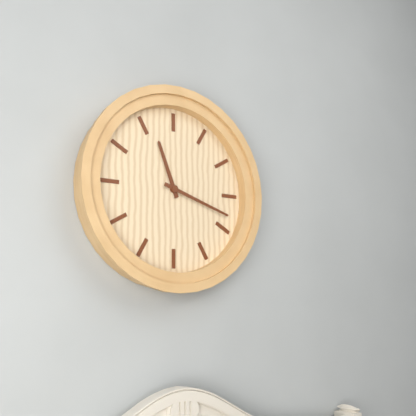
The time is h=11 m=18
